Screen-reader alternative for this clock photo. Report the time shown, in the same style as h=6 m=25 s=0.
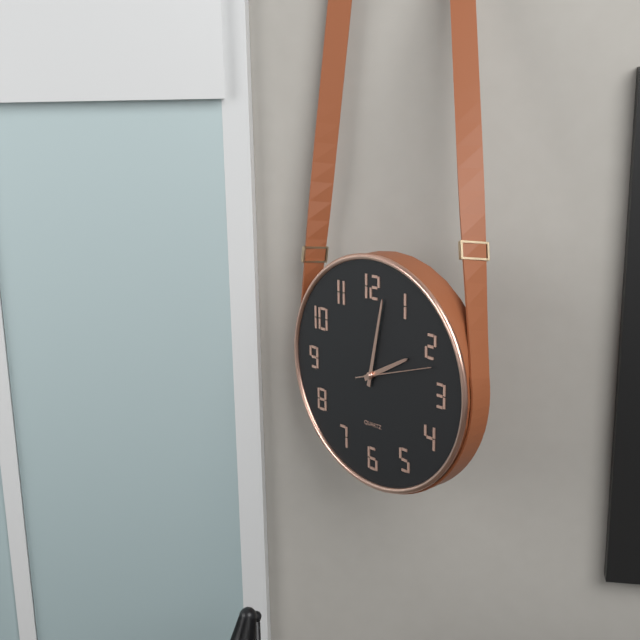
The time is h=2 m=2 s=12
